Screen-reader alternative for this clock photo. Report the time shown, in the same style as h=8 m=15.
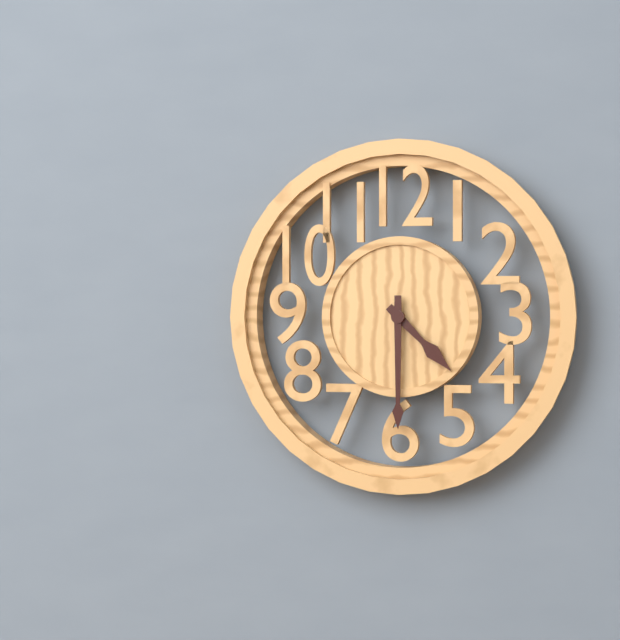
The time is h=4 m=30
